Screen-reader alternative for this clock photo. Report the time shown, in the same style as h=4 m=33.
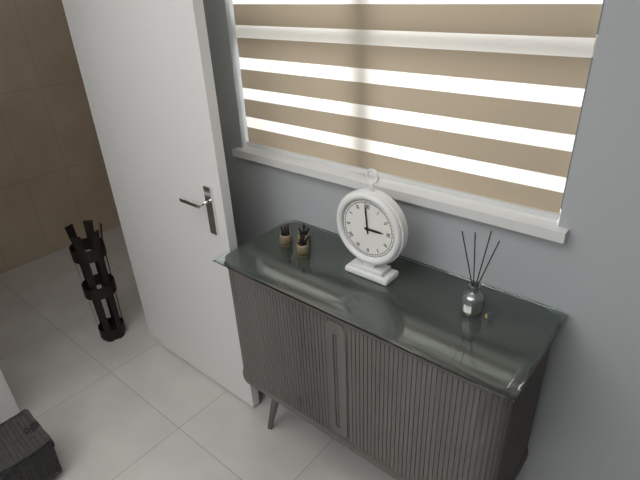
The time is h=2 m=59
